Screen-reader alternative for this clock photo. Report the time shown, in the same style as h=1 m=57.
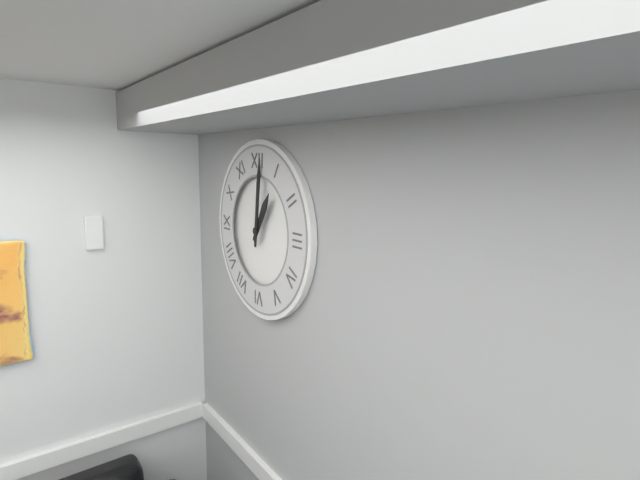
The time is h=1 m=1
